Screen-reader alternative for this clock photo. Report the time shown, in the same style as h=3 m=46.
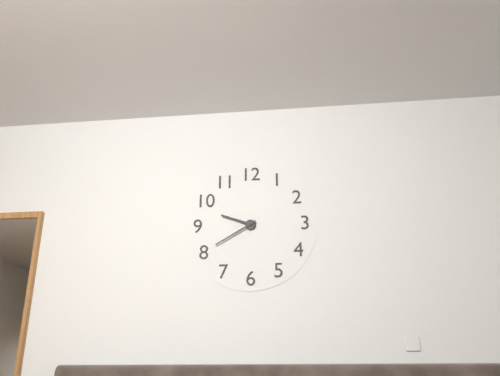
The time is h=9 m=40
